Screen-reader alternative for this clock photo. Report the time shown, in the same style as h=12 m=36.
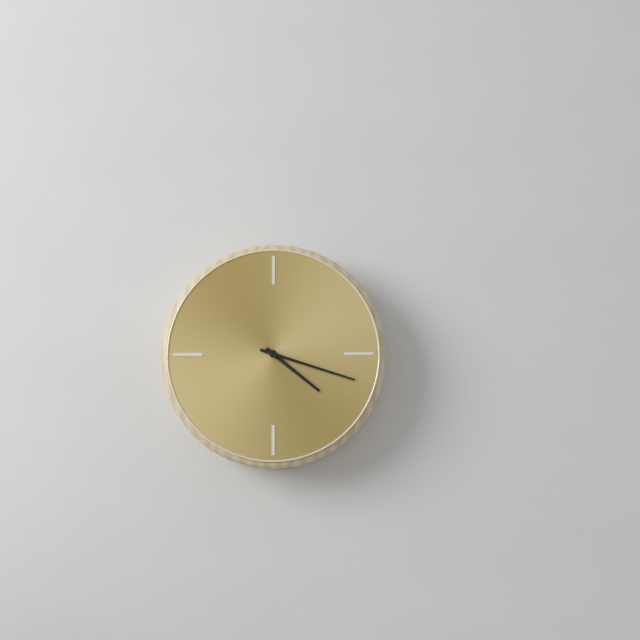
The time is h=4 m=18
